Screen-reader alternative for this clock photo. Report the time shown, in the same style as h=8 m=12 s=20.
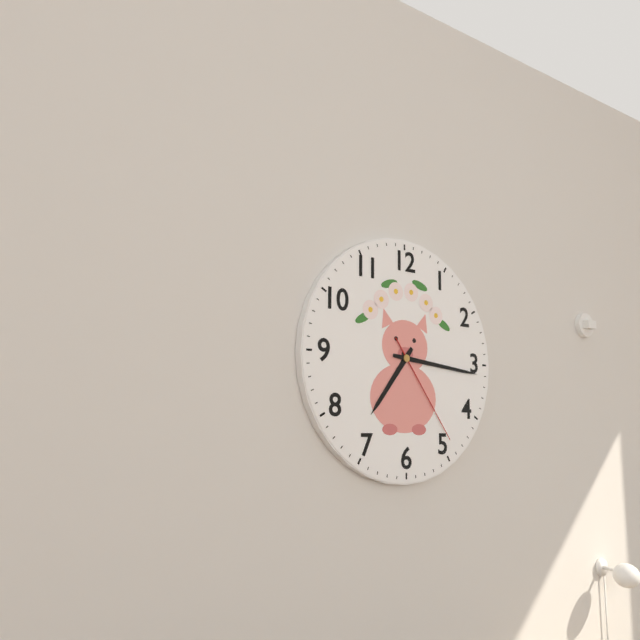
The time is h=7 m=16 s=24
